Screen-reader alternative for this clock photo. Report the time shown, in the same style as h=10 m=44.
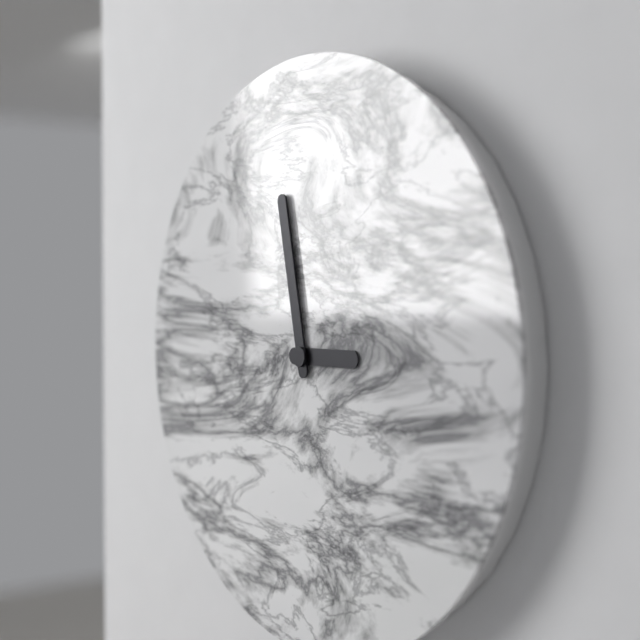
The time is h=2 m=58
